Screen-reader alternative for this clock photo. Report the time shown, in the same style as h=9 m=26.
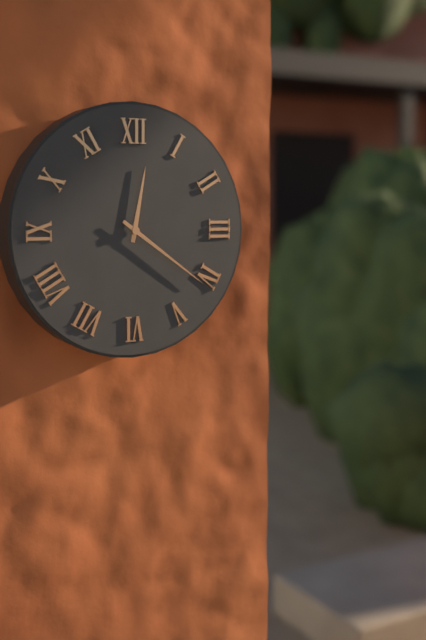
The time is h=12 m=21
